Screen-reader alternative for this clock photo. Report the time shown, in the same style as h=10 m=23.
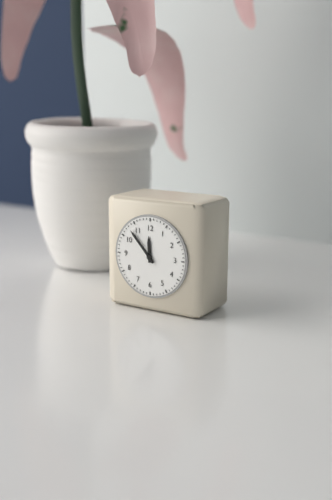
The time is h=11 m=53
